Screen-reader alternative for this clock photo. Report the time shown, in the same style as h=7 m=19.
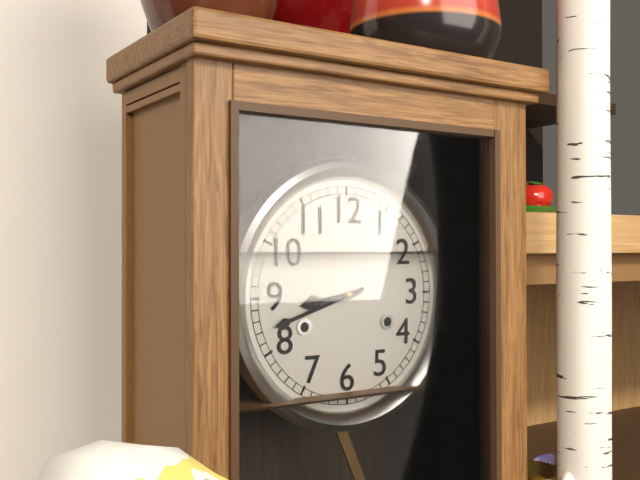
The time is h=8 m=42
